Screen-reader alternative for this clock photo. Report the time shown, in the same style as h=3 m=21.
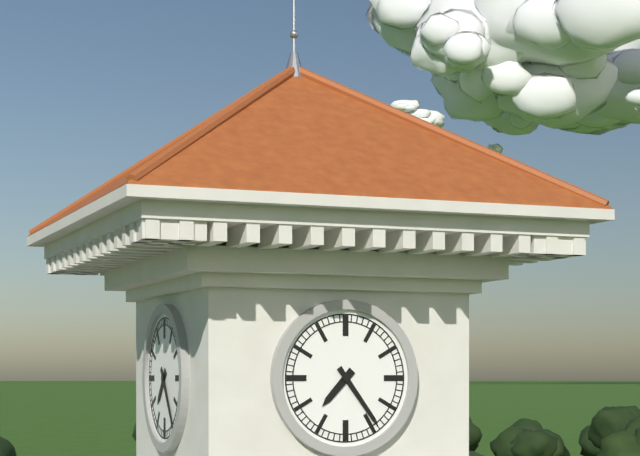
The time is h=7 m=24
